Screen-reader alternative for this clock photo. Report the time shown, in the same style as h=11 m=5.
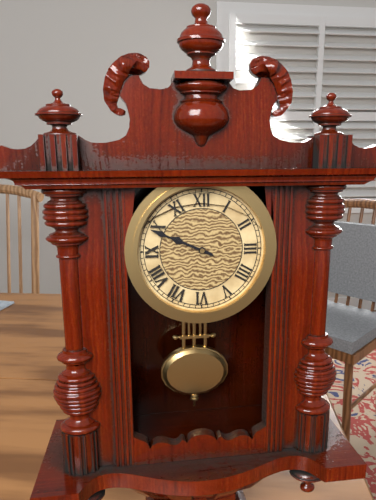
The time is h=9 m=49
